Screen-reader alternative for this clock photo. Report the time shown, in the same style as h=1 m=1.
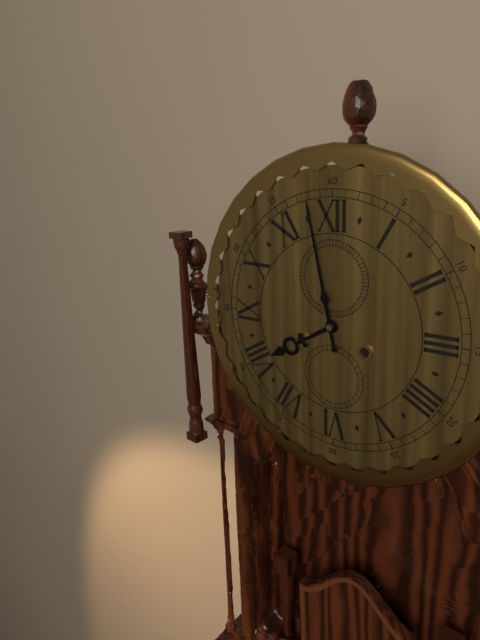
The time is h=7 m=58
